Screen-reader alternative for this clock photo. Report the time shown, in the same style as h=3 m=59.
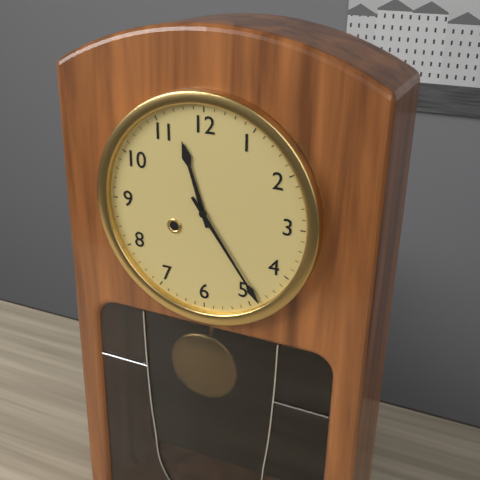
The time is h=11 m=24
